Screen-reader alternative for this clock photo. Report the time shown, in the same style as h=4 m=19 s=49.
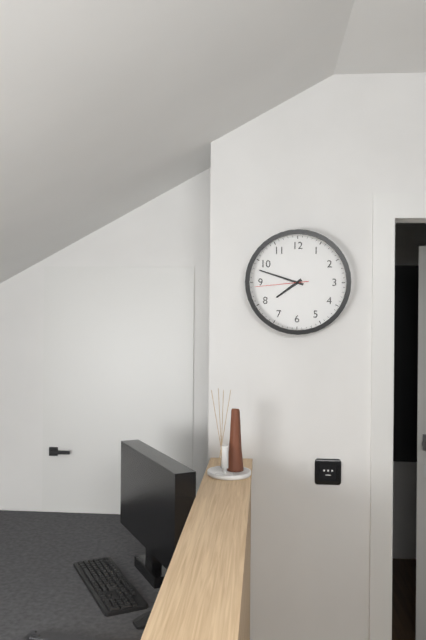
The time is h=7 m=48 s=44
